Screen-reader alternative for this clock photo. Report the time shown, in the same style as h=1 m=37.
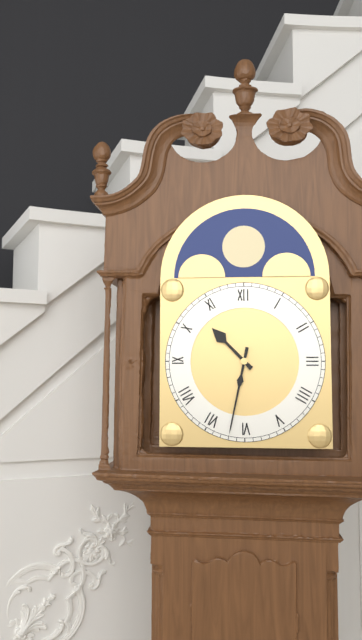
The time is h=10 m=32
